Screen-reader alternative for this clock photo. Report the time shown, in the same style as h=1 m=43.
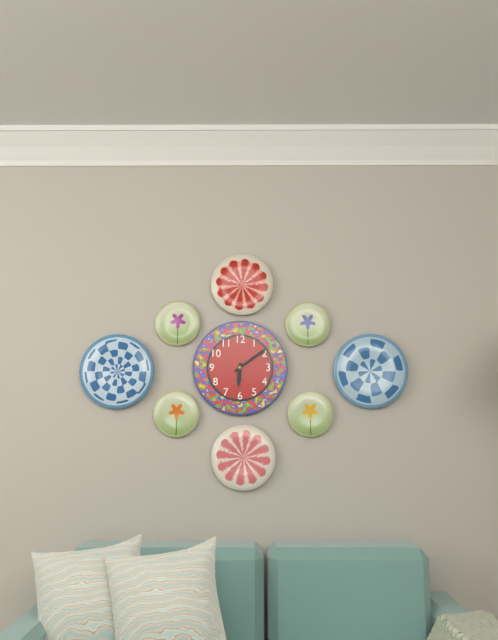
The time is h=6 m=9
